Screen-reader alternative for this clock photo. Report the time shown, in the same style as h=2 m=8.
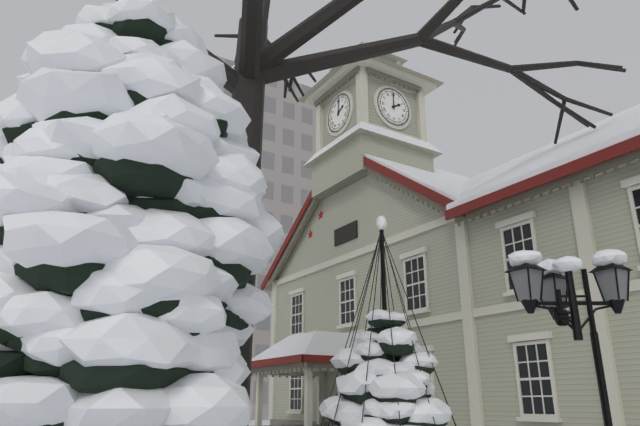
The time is h=2 m=0
